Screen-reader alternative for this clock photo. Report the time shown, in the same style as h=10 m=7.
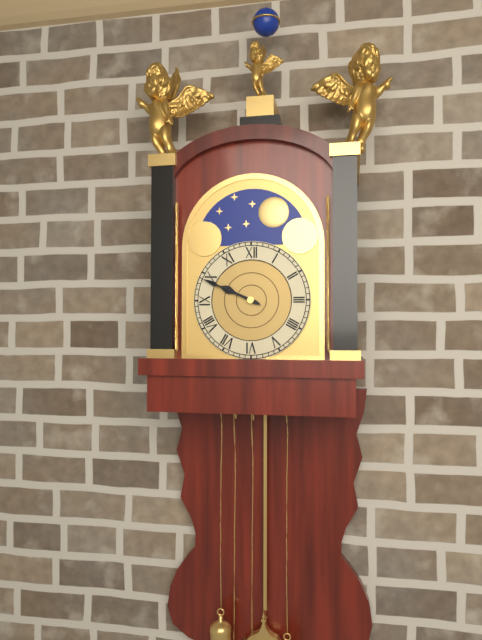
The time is h=9 m=49
